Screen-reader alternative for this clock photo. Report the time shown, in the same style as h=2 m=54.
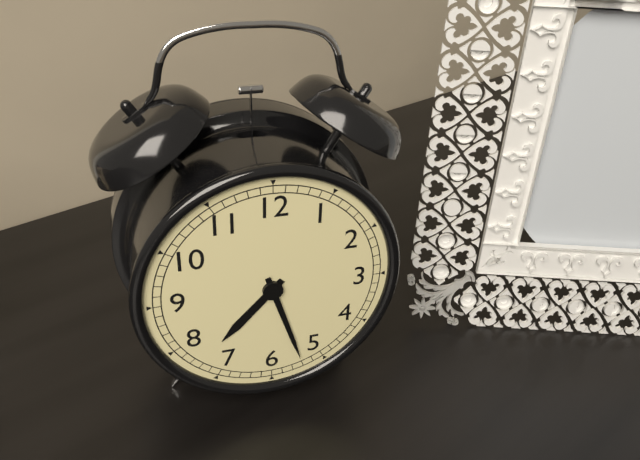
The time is h=7 m=27
